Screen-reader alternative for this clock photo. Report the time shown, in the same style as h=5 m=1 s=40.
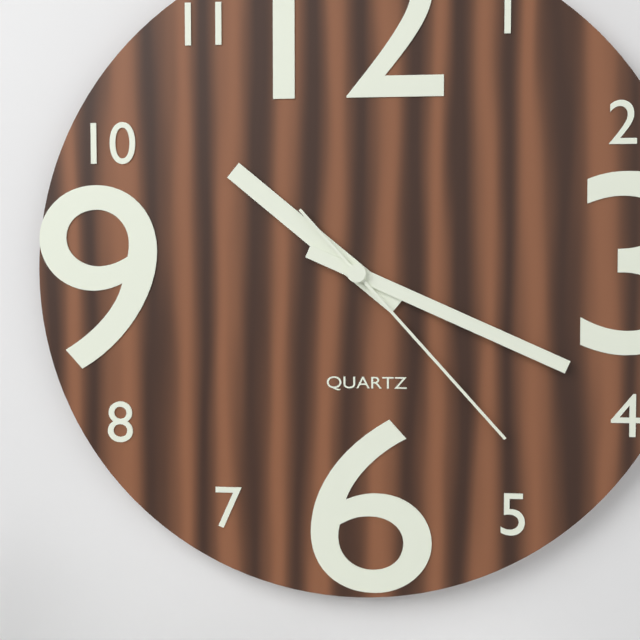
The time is h=10 m=19 s=23
